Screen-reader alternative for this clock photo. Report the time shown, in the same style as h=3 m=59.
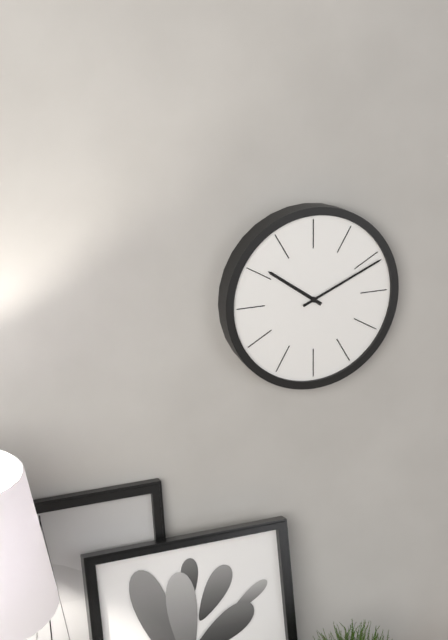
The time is h=10 m=11
